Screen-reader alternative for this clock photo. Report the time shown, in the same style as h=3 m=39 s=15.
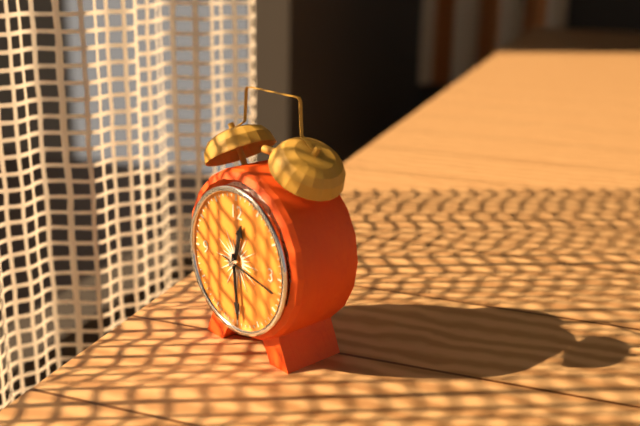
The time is h=12 m=29 s=17
